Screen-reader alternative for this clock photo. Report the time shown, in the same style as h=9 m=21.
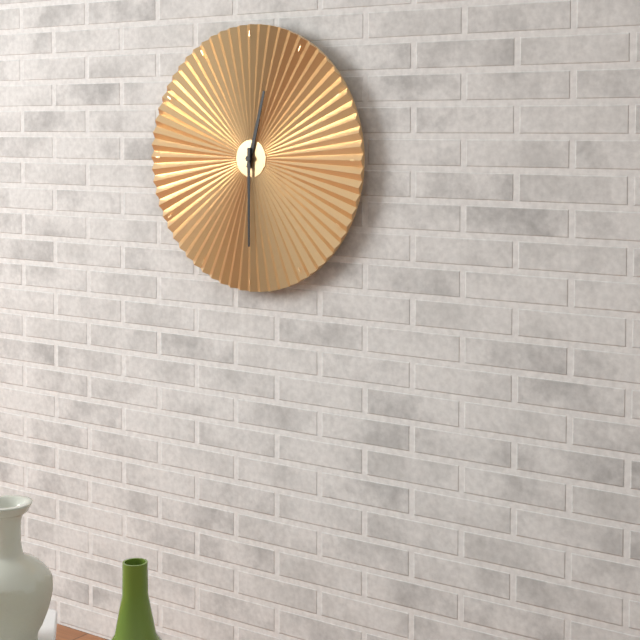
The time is h=12 m=30
